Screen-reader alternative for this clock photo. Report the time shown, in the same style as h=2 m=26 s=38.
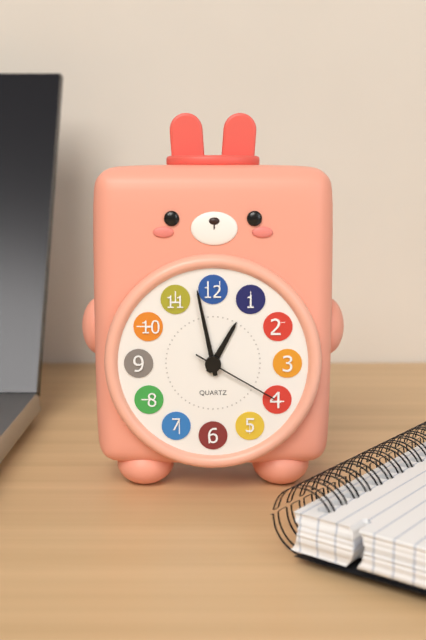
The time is h=12 m=58 s=20
